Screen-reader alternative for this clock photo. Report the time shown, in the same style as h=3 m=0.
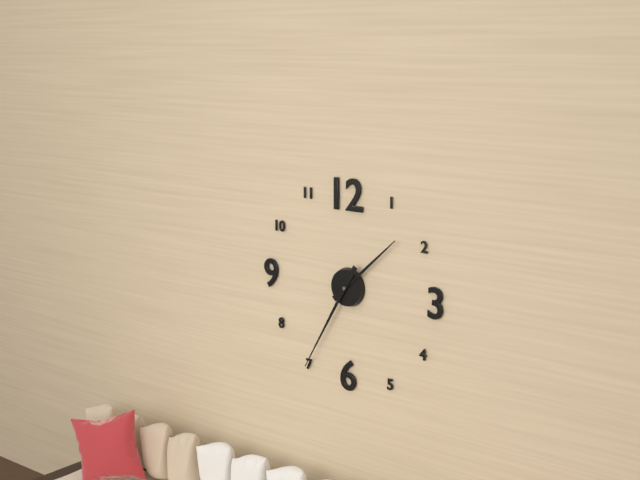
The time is h=1 m=35
